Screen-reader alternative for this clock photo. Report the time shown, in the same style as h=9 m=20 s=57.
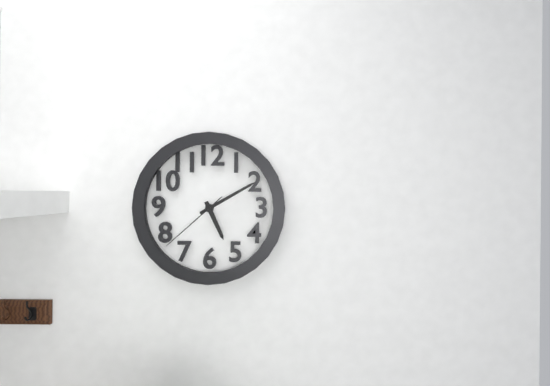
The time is h=5 m=10 s=38
